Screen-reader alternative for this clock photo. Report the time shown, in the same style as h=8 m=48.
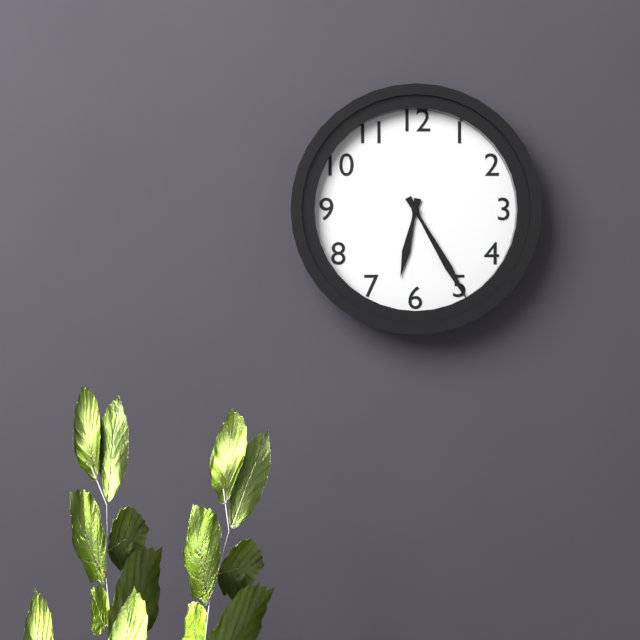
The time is h=6 m=25
